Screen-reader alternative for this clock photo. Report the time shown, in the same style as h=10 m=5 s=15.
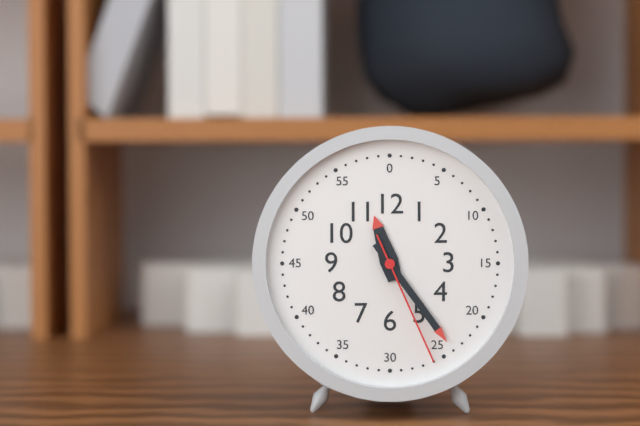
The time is h=11 m=24 s=26
